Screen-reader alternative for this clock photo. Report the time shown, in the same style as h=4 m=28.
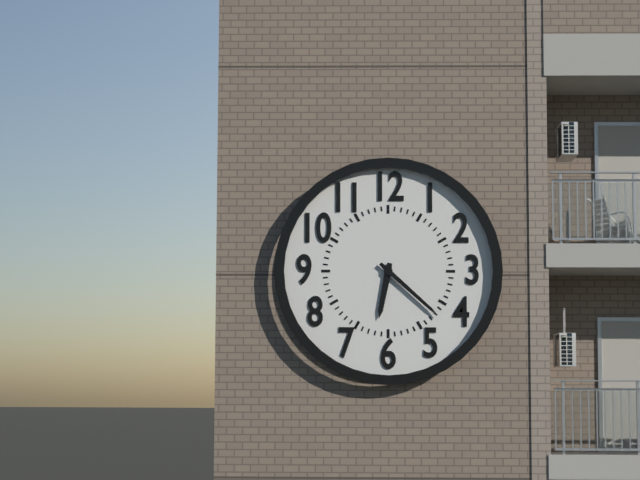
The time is h=6 m=22
